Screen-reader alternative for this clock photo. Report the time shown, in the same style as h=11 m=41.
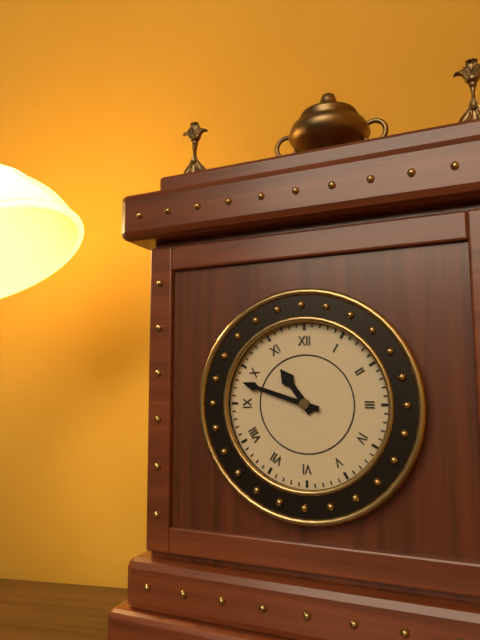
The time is h=10 m=48
